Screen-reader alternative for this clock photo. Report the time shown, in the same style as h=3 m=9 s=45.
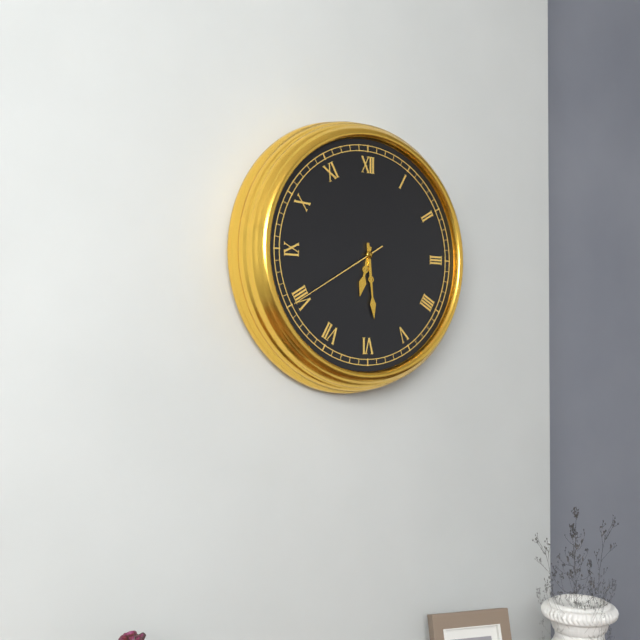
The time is h=6 m=29 s=40
